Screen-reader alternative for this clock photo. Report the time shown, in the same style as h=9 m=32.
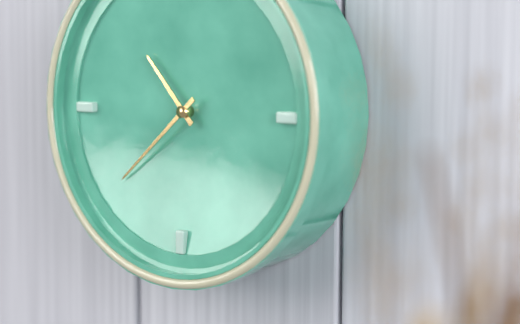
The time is h=10 m=38
